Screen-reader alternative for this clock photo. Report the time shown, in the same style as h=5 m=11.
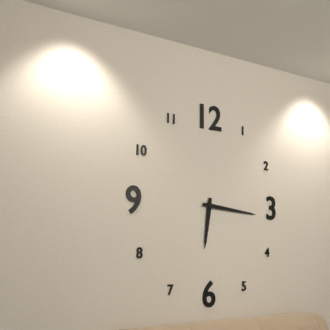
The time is h=6 m=16
